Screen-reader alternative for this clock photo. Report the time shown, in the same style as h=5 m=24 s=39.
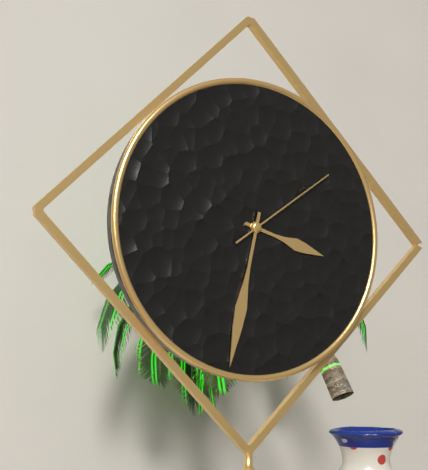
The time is h=3 m=32 s=9
